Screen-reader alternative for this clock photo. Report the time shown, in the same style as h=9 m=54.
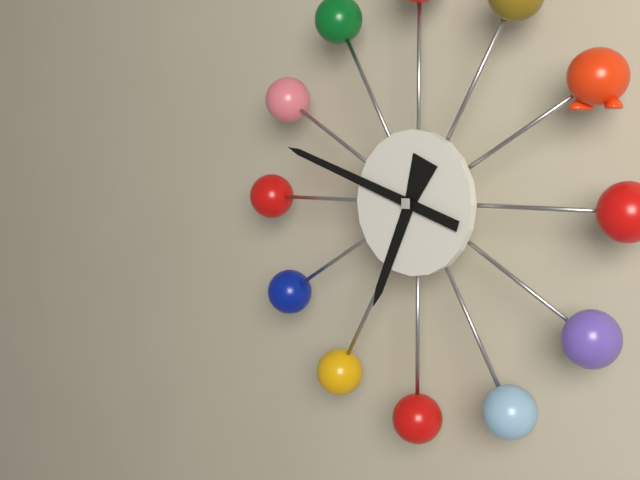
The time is h=6 m=48
